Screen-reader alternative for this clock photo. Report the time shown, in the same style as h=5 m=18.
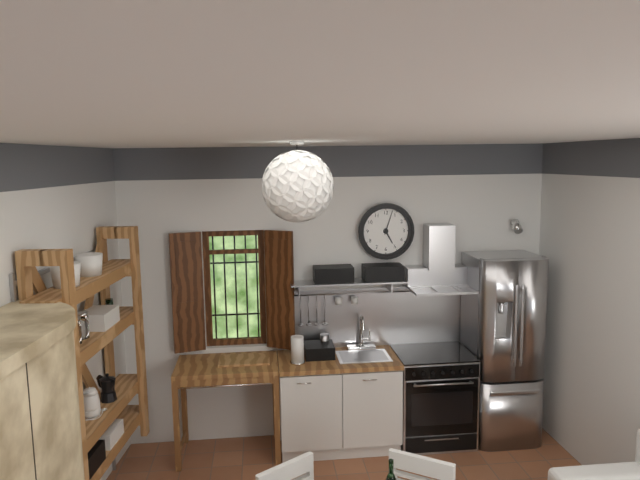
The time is h=5 m=3
